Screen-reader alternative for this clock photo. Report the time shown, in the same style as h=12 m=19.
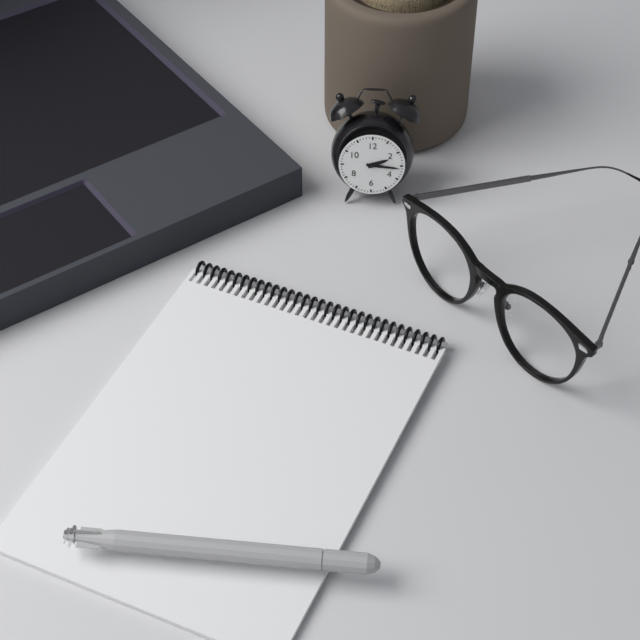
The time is h=2 m=16
